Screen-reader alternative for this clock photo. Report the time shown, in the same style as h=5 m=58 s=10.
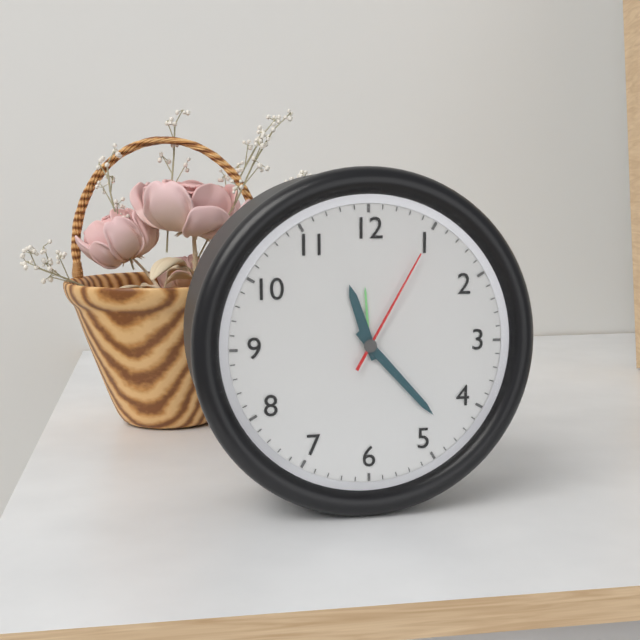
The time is h=11 m=23 s=5
